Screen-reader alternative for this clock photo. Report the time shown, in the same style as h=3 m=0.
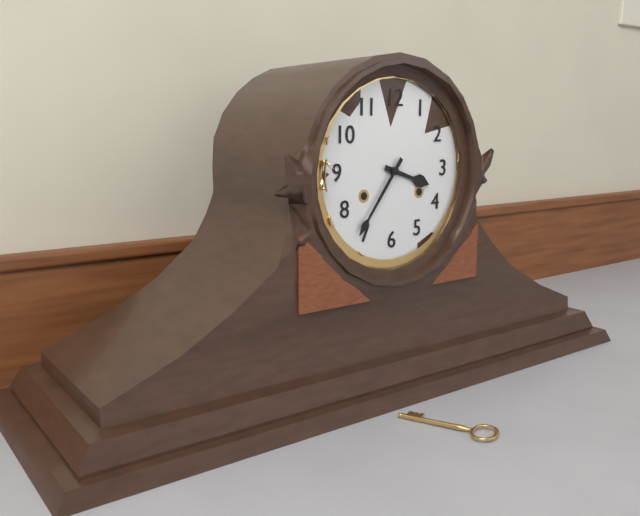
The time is h=3 m=36
